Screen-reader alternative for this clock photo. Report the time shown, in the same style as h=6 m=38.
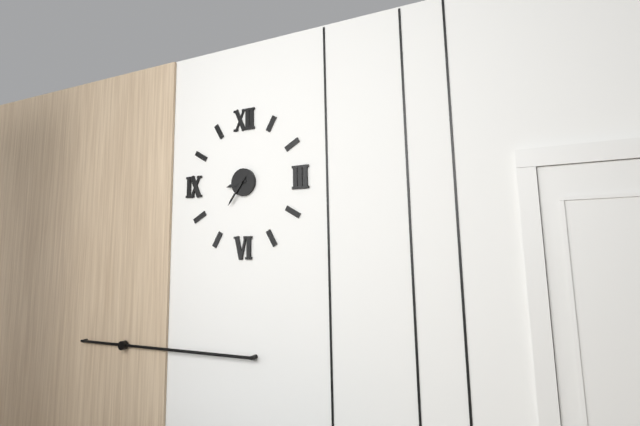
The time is h=8 m=36
